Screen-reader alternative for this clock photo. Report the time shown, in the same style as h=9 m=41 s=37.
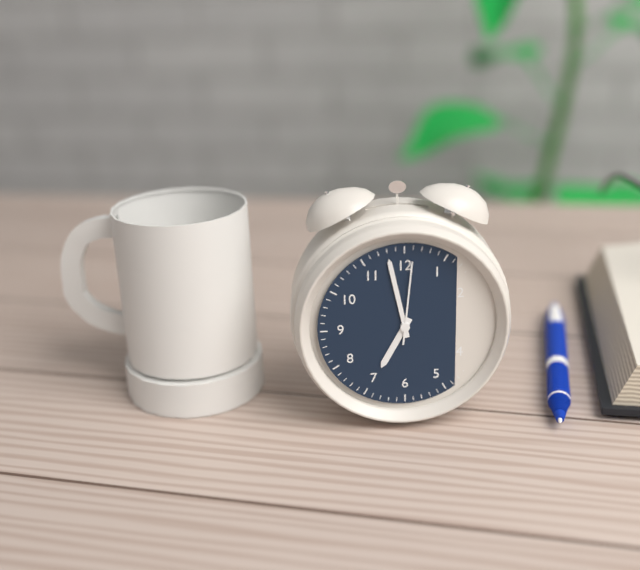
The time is h=6 m=58 s=1
